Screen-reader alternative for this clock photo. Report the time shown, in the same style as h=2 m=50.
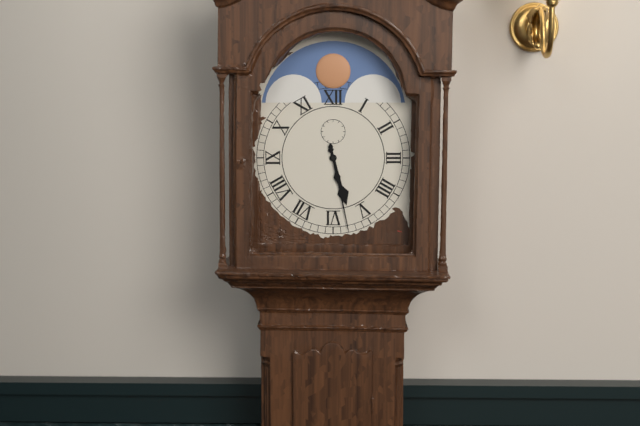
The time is h=5 m=28
